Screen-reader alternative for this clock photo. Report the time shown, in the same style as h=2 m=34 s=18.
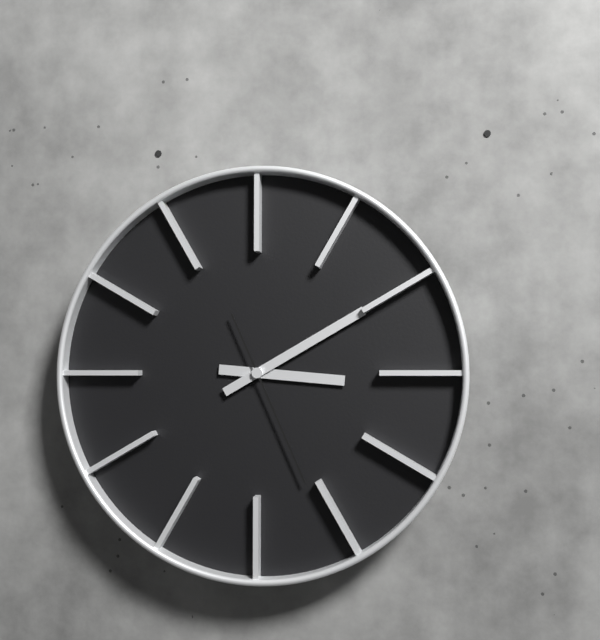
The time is h=3 m=10 s=26
